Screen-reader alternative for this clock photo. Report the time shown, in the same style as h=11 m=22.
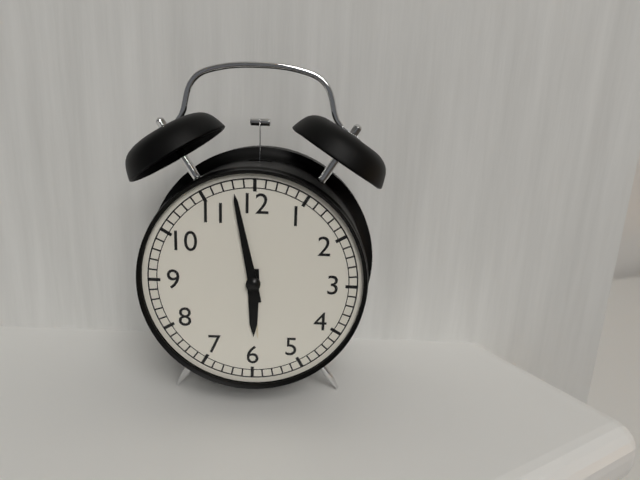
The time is h=5 m=58
